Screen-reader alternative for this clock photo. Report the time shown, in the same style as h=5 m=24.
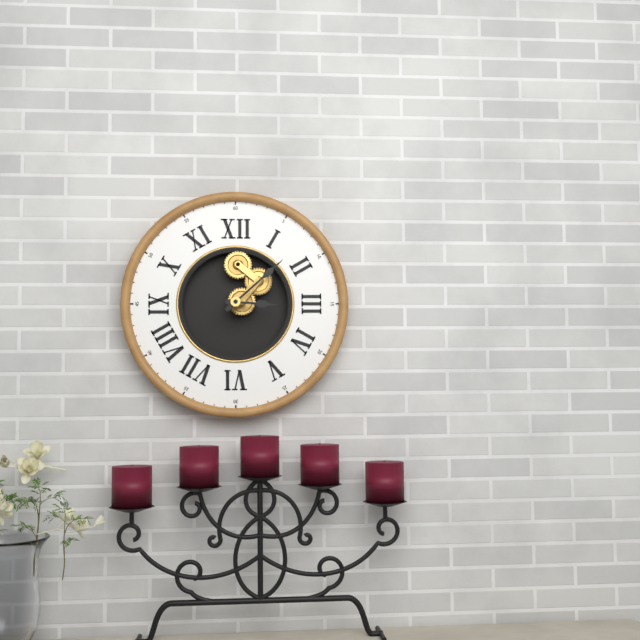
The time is h=3 m=8
